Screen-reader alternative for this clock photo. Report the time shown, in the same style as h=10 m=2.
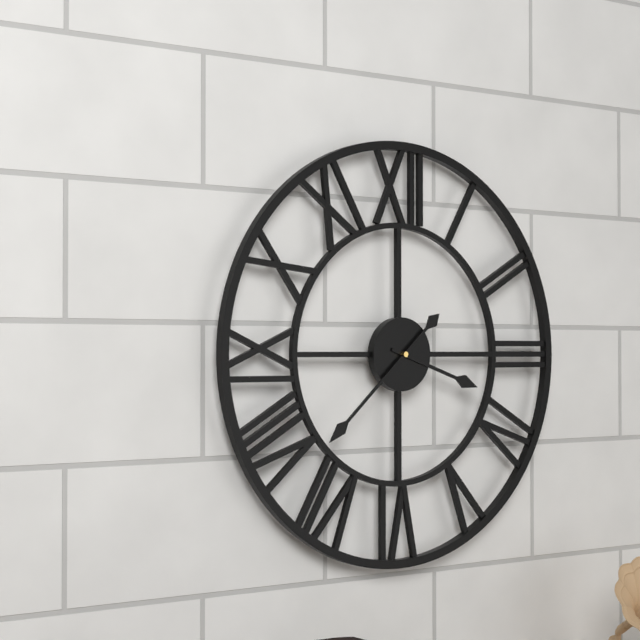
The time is h=3 m=38
